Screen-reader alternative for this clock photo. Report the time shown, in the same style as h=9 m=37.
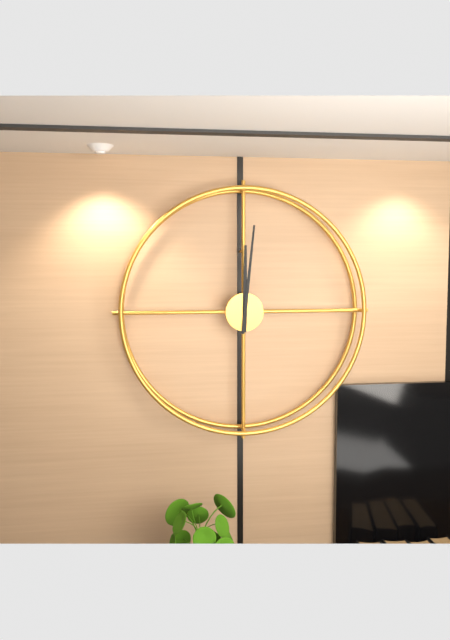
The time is h=12 m=1
